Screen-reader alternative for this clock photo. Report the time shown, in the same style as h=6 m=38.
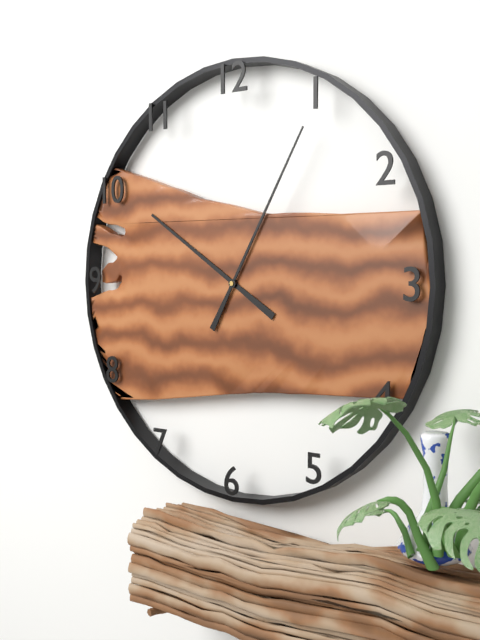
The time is h=10 m=5
